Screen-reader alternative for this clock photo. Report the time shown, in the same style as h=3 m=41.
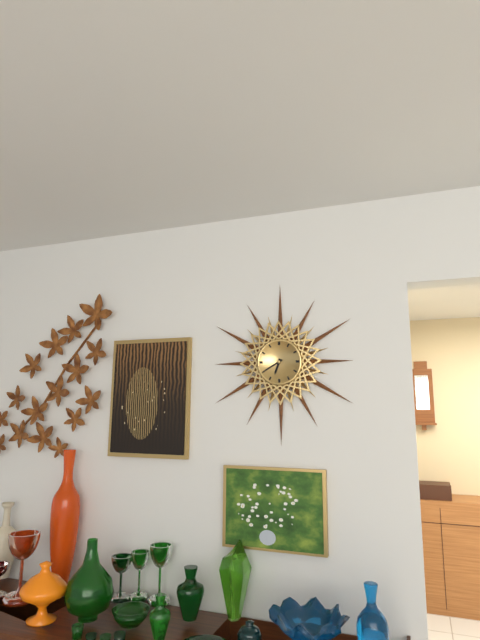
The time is h=6 m=40
